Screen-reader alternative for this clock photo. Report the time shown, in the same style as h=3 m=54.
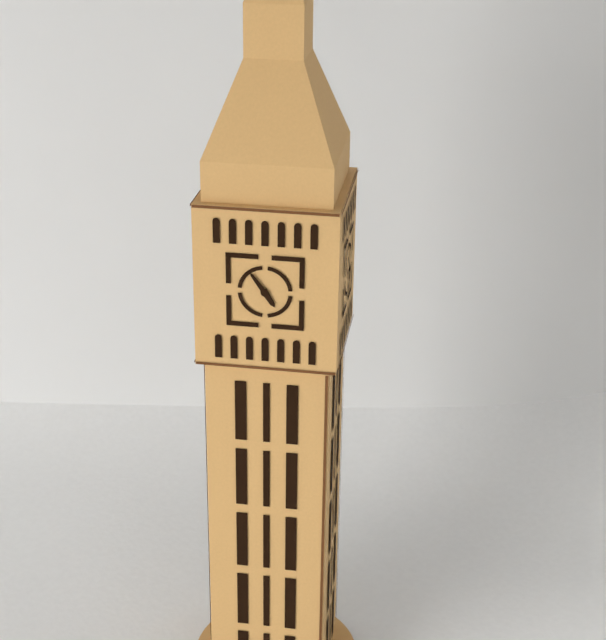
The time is h=4 m=54
